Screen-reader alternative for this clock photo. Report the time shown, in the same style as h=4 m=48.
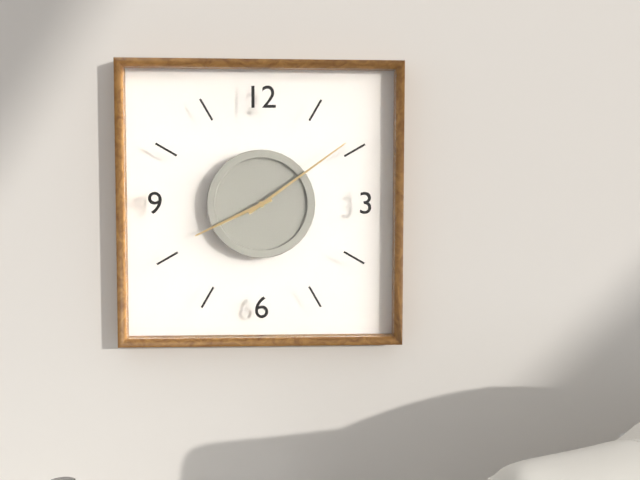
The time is h=8 m=9
